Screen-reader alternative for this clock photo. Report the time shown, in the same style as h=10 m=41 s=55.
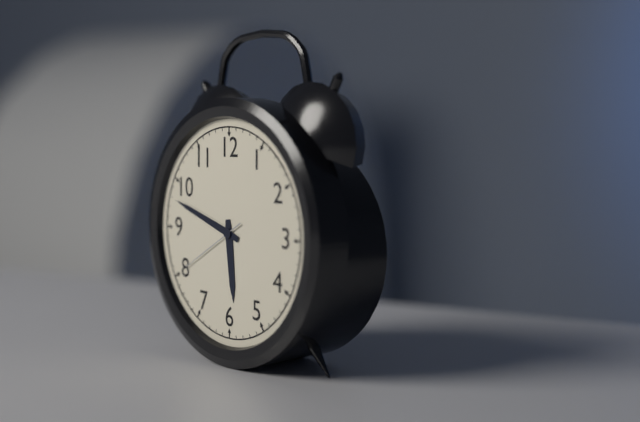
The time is h=5 m=48 s=40
